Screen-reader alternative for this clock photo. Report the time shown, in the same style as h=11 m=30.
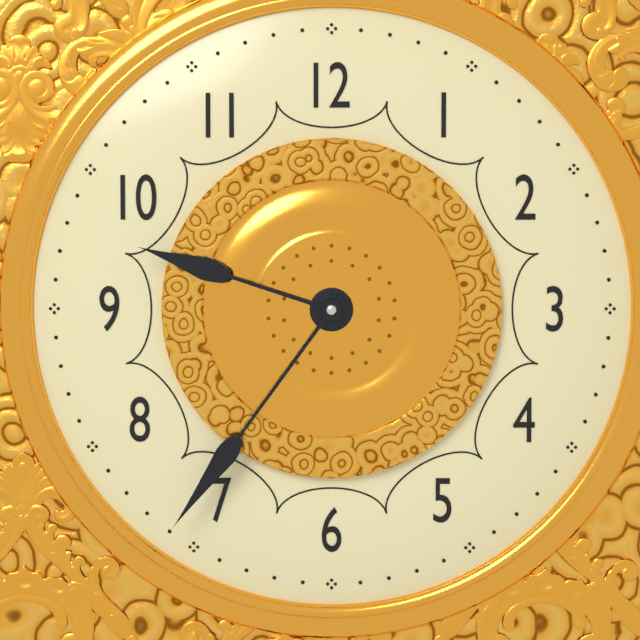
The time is h=9 m=36
